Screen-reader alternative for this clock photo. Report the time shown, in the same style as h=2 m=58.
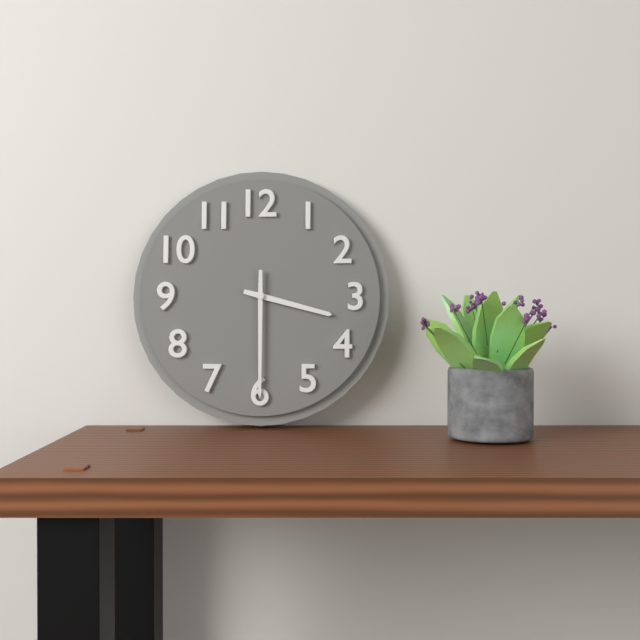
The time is h=3 m=30
